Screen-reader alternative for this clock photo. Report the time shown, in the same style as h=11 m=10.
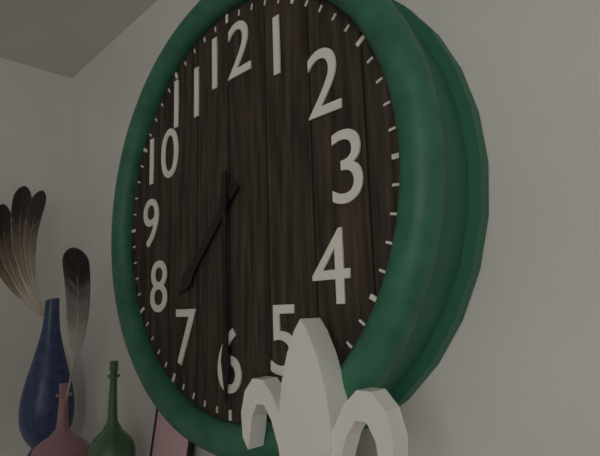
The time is h=7 m=30
